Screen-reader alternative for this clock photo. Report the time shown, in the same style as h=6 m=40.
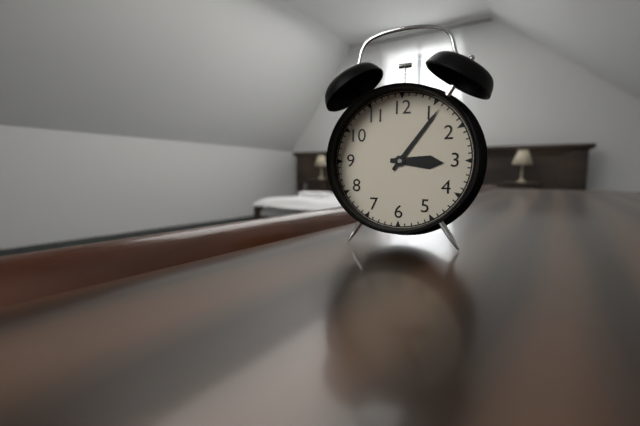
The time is h=3 m=6
